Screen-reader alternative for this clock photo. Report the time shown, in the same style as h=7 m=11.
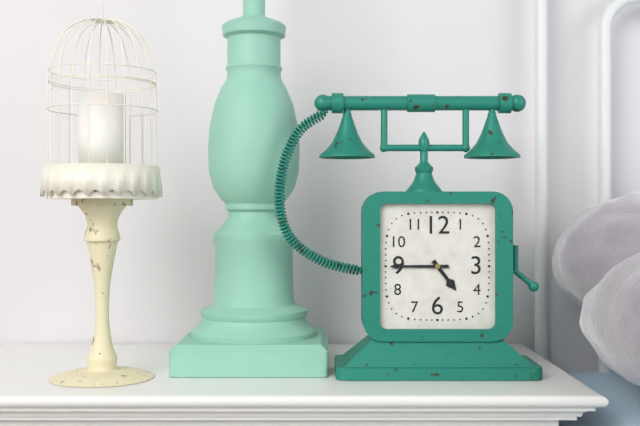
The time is h=4 m=45
